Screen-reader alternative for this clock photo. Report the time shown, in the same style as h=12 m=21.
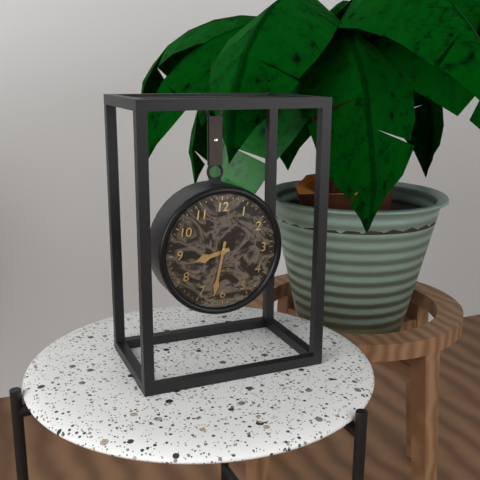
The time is h=8 m=32
